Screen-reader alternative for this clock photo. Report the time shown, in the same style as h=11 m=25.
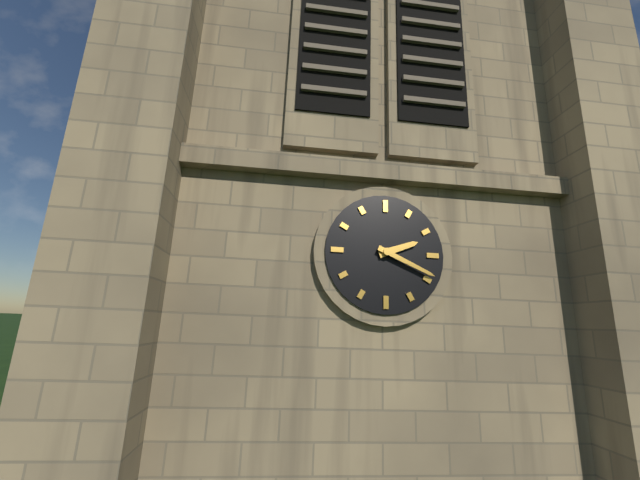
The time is h=2 m=19
